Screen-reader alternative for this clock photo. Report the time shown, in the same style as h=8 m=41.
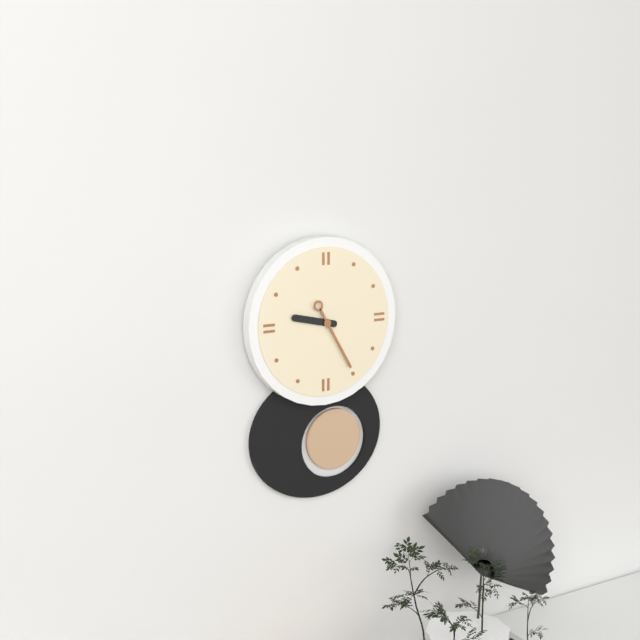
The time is h=9 m=25
